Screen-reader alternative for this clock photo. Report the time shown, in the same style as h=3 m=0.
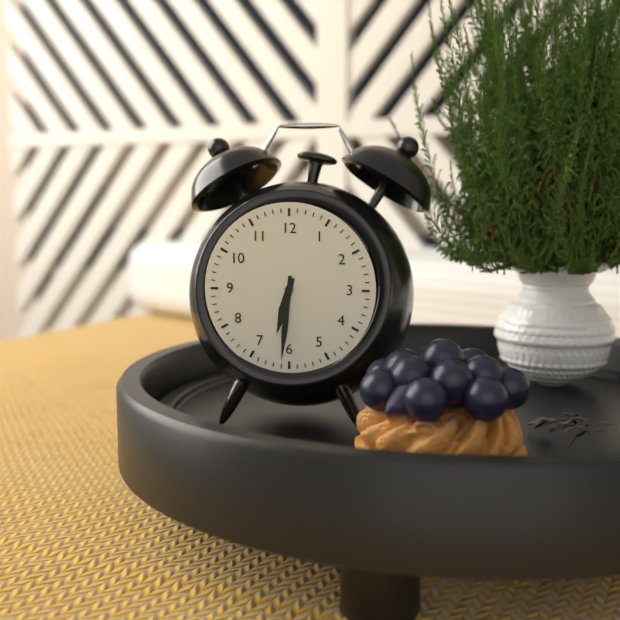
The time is h=6 m=31
